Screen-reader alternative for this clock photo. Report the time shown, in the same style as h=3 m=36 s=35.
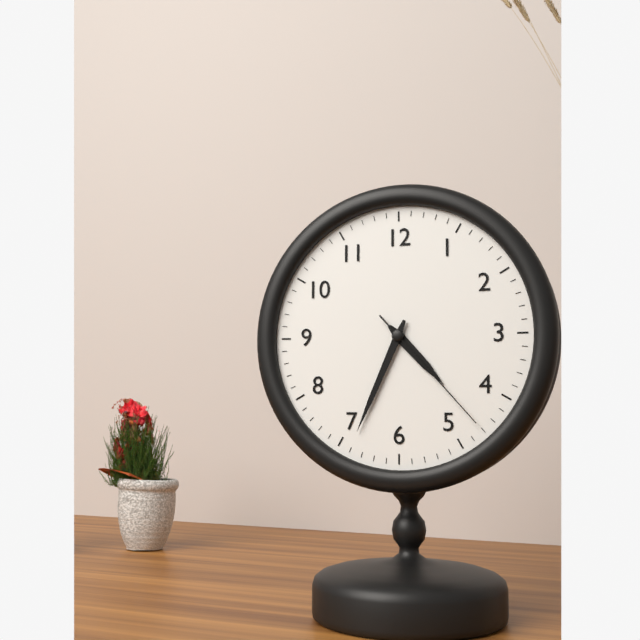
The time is h=4 m=34 s=23
